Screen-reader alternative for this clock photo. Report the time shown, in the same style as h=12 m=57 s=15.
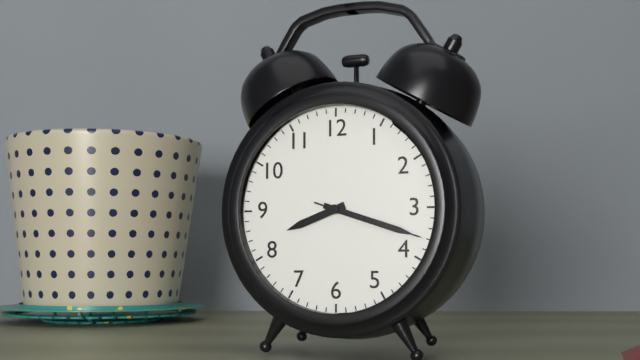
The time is h=8 m=18 s=18
